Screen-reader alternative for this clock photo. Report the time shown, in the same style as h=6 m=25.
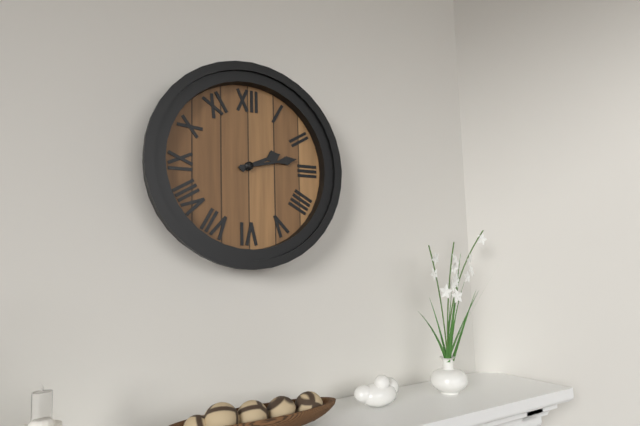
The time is h=2 m=13
